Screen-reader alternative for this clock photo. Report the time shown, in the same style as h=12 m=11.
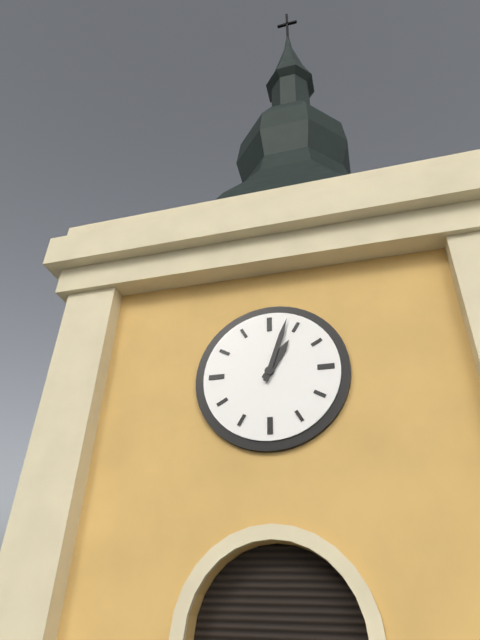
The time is h=1 m=3
